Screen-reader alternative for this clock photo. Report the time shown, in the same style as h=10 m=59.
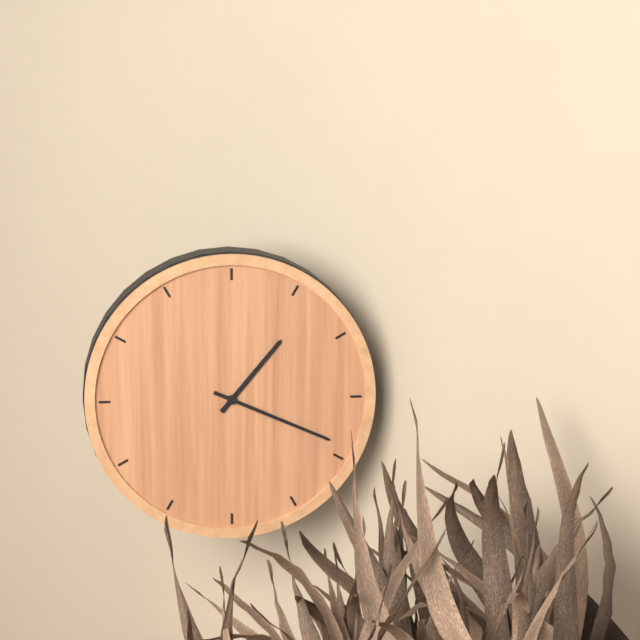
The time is h=1 m=19
